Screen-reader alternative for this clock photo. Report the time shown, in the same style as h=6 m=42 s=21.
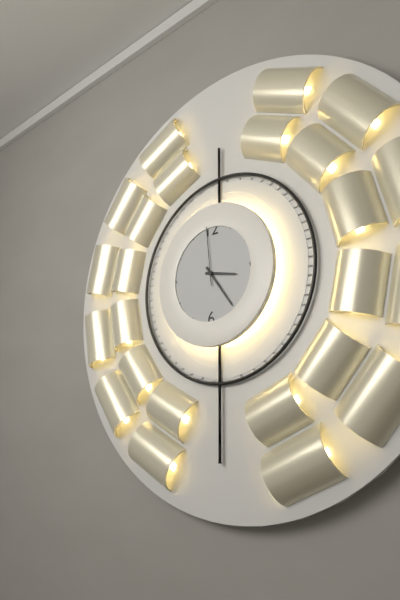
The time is h=3 m=24 s=59
